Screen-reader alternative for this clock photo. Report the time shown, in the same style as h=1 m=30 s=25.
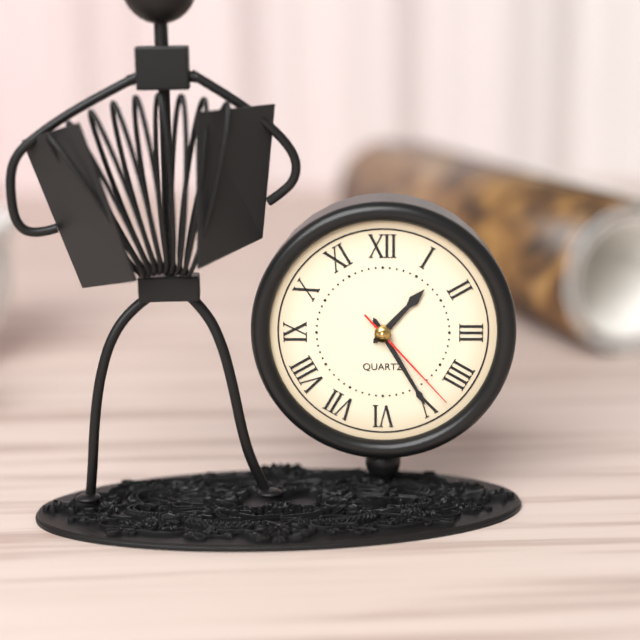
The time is h=1 m=25 s=23
